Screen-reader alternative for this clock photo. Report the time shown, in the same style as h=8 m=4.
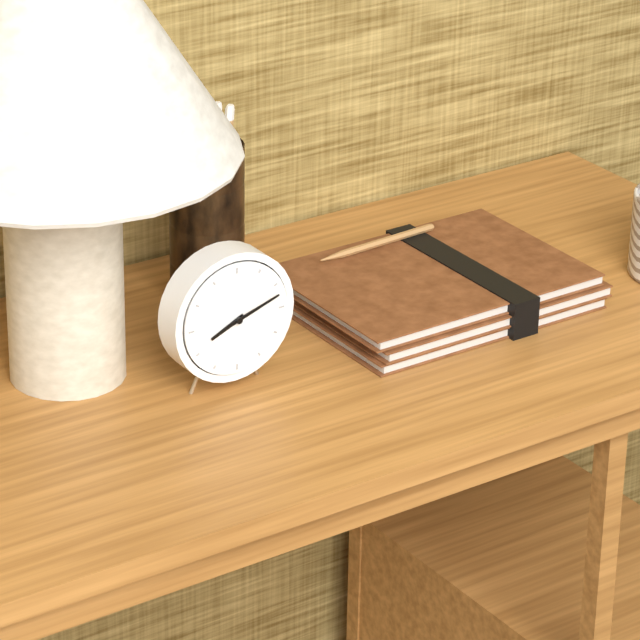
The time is h=8 m=12
